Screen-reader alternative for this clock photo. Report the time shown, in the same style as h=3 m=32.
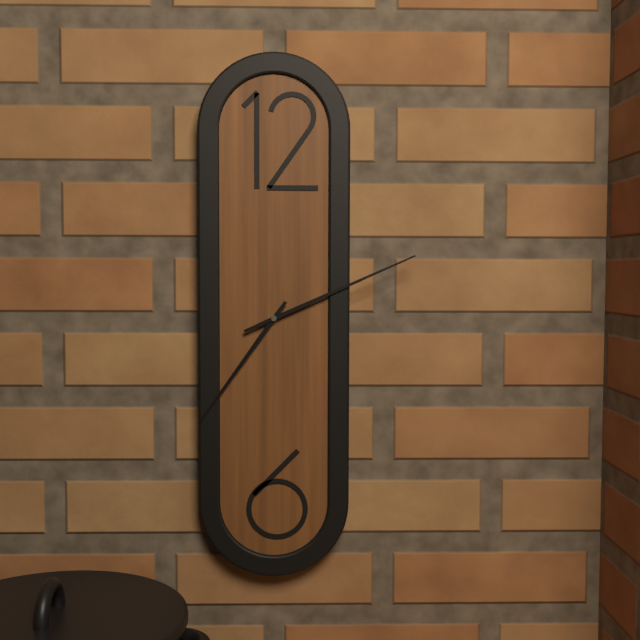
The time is h=7 m=11
